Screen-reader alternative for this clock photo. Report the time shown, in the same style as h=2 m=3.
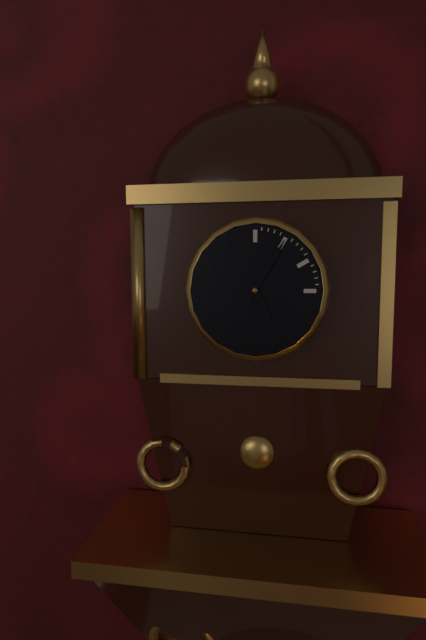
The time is h=5 m=5
